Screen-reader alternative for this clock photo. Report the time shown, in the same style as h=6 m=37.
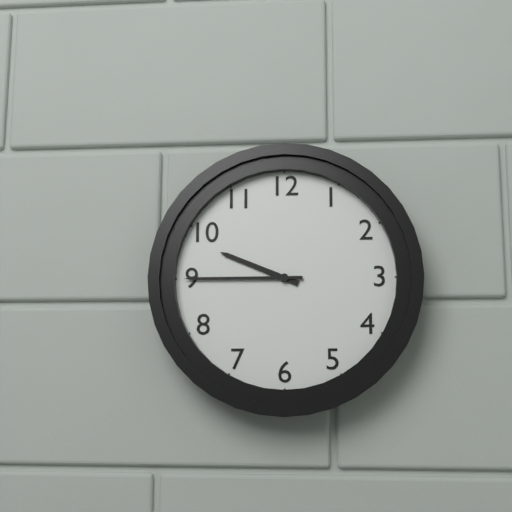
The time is h=9 m=45
